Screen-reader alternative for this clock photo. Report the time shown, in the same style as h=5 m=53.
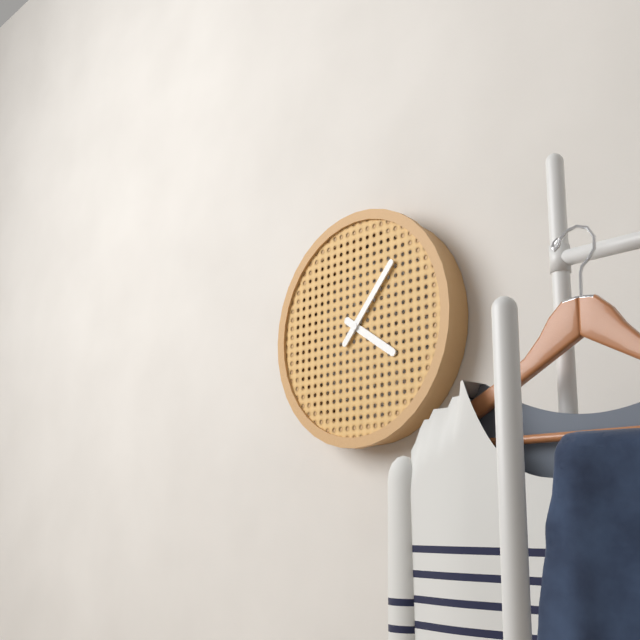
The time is h=4 m=7
